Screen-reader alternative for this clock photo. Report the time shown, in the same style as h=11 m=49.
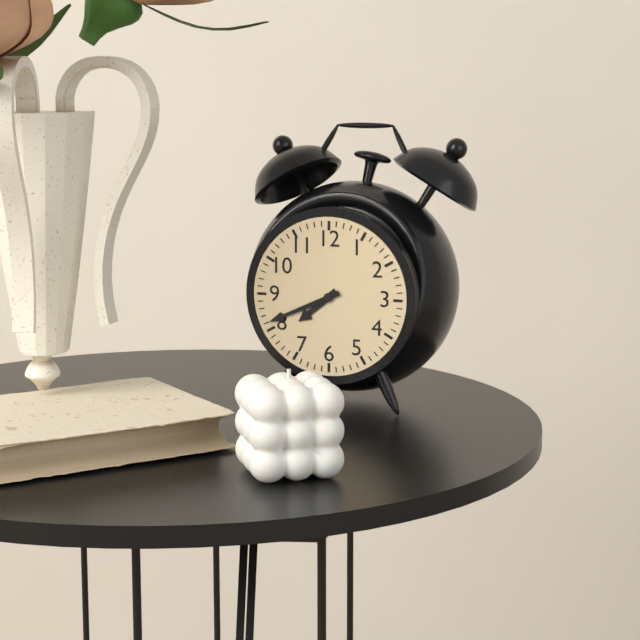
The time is h=7 m=41
